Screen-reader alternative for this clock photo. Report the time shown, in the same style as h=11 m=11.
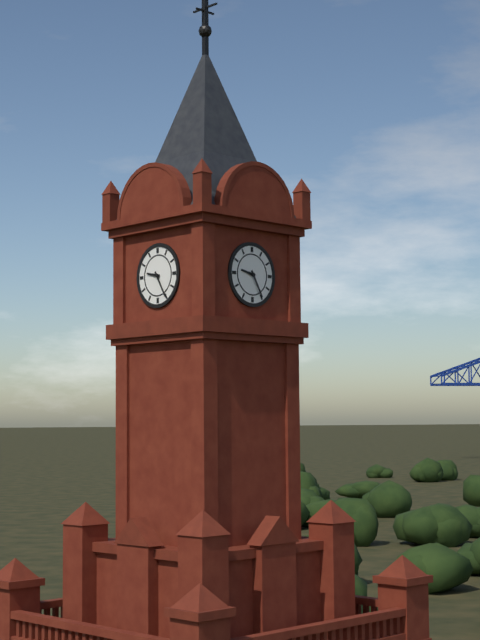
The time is h=9 m=25
